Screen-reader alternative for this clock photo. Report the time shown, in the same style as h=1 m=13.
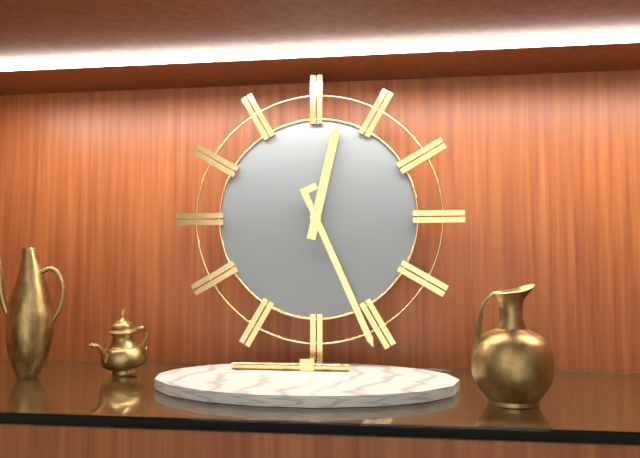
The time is h=12 m=26
